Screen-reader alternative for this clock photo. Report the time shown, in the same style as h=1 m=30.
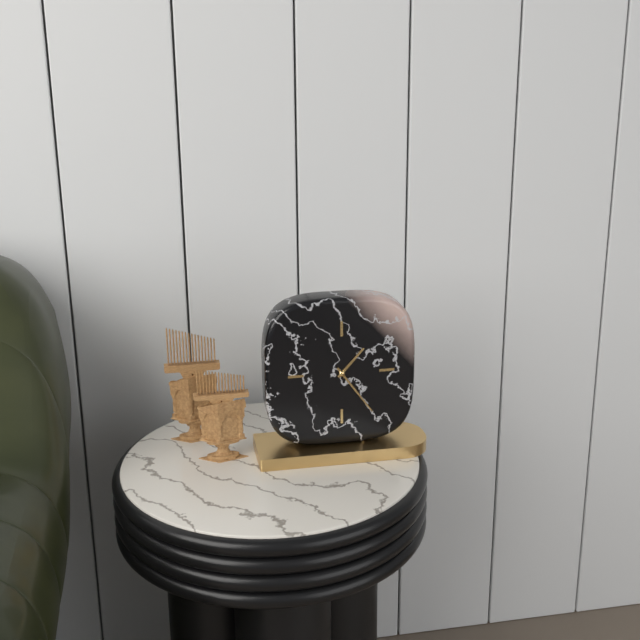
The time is h=1 m=24
